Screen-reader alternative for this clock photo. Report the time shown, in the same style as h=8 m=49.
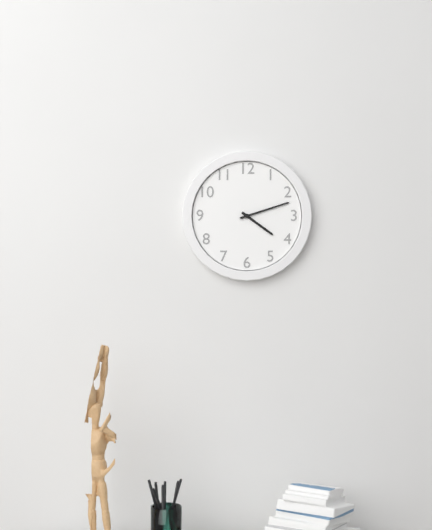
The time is h=4 m=12
